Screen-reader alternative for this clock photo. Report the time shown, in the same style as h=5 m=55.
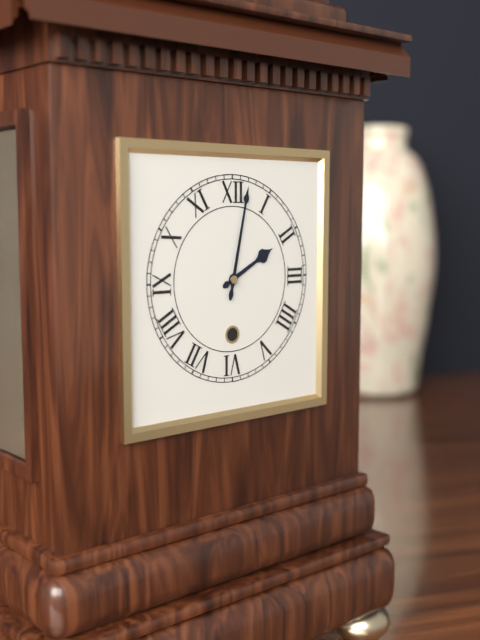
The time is h=2 m=2
